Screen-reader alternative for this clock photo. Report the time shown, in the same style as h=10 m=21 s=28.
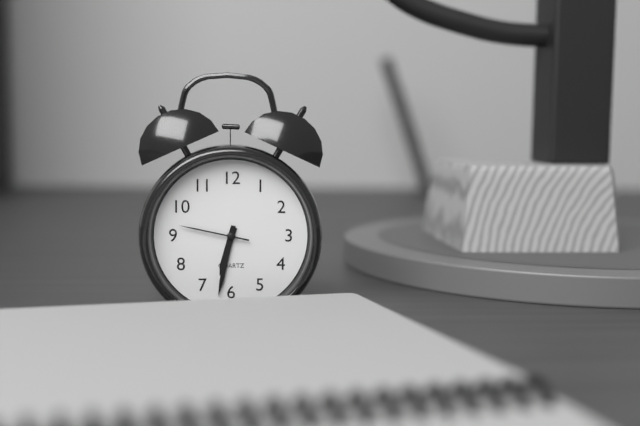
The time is h=6 m=32 s=47
